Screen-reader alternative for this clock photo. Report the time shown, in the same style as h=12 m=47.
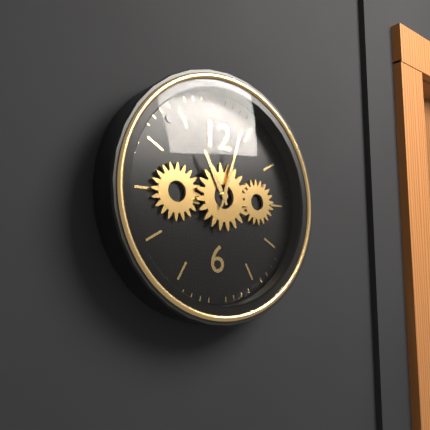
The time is h=11 m=3
